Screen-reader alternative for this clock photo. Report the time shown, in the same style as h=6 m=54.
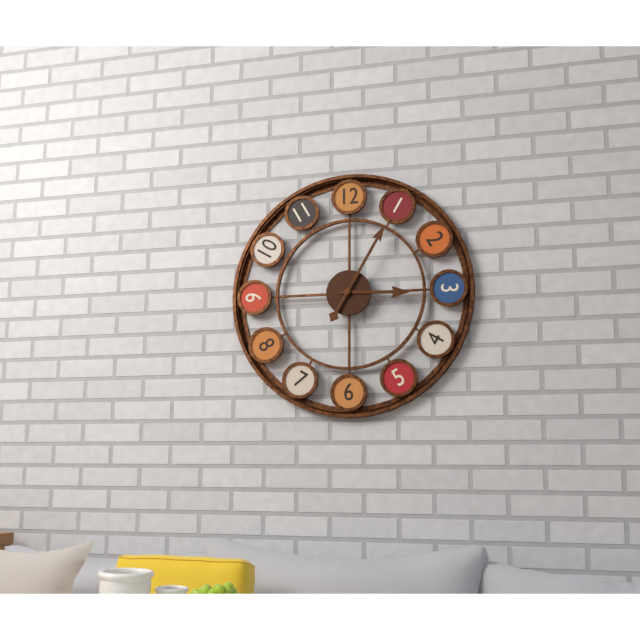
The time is h=3 m=5
